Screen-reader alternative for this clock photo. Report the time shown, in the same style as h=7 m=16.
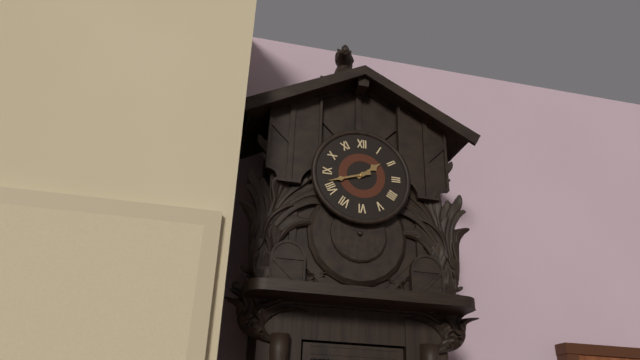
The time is h=1 m=42
